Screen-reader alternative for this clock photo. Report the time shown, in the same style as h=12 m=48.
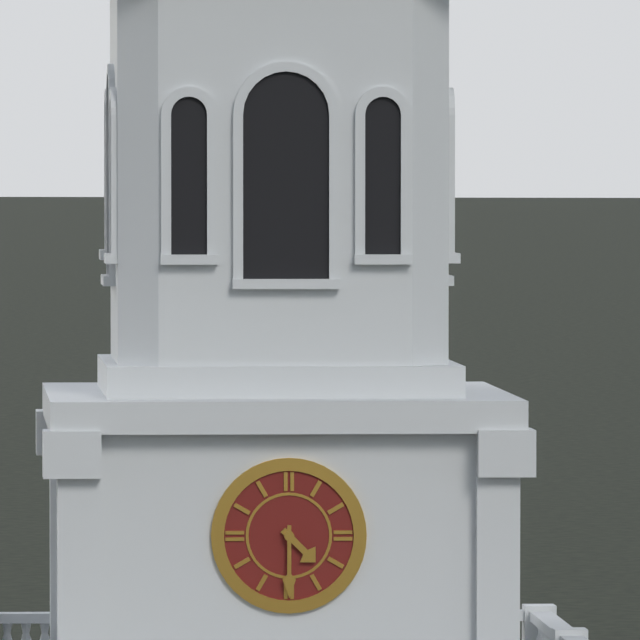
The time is h=4 m=30
